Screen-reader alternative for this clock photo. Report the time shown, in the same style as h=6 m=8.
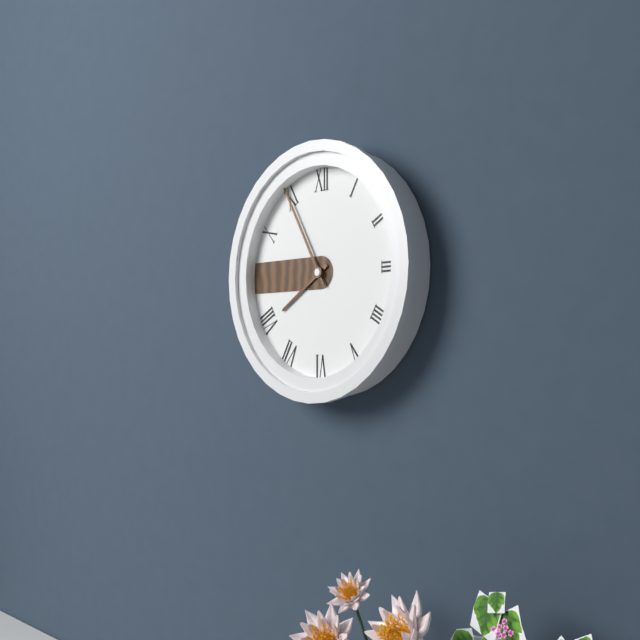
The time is h=7 m=55
